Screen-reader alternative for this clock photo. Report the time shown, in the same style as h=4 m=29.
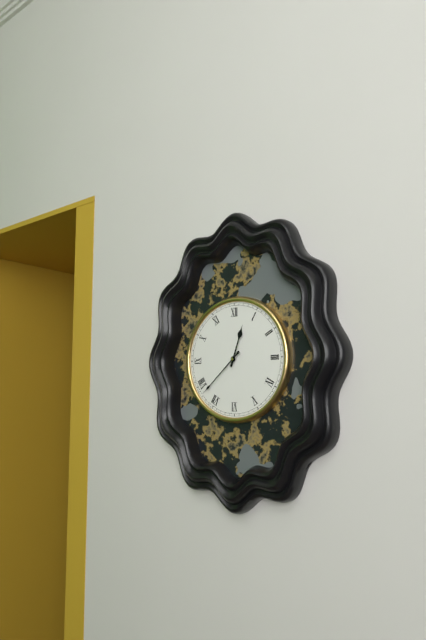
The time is h=12 m=38
